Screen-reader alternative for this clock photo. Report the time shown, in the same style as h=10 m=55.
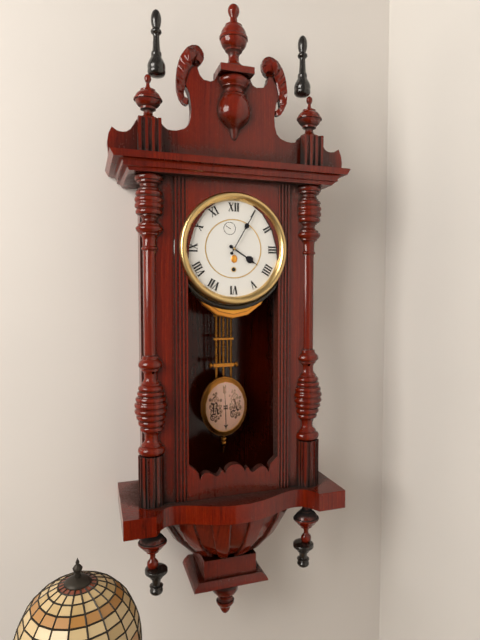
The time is h=4 m=5
